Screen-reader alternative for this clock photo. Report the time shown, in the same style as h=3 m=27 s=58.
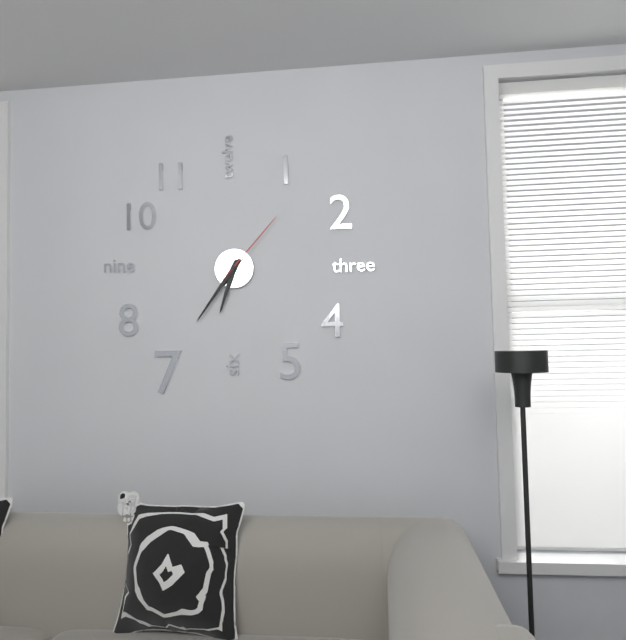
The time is h=6 m=36 s=7
